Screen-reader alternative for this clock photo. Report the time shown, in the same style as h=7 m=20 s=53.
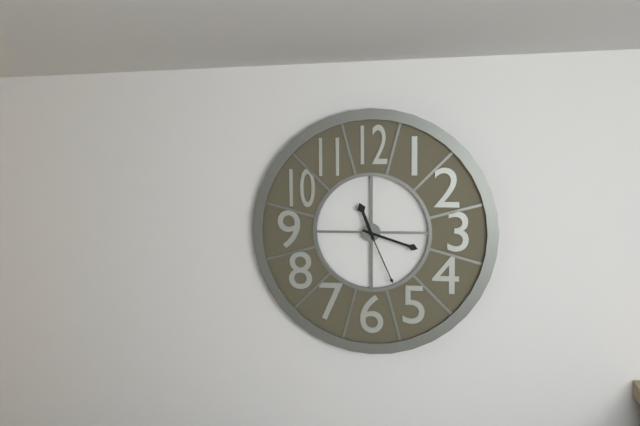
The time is h=11 m=18 s=26
